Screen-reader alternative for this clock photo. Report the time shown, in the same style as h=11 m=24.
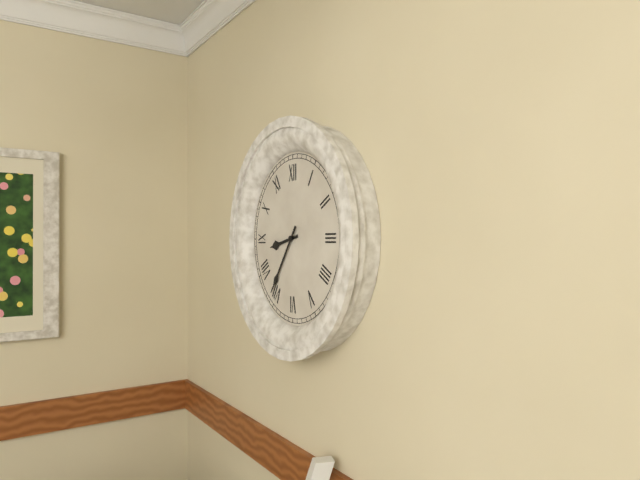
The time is h=8 m=36
